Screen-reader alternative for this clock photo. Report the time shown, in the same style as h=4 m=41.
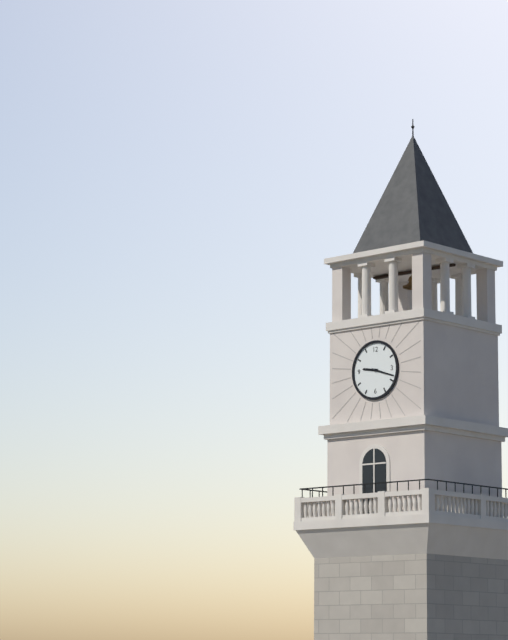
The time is h=9 m=18
